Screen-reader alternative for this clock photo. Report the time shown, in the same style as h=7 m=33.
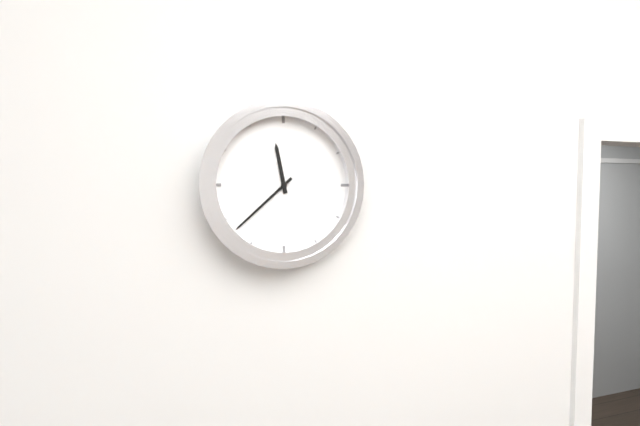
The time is h=11 m=38
